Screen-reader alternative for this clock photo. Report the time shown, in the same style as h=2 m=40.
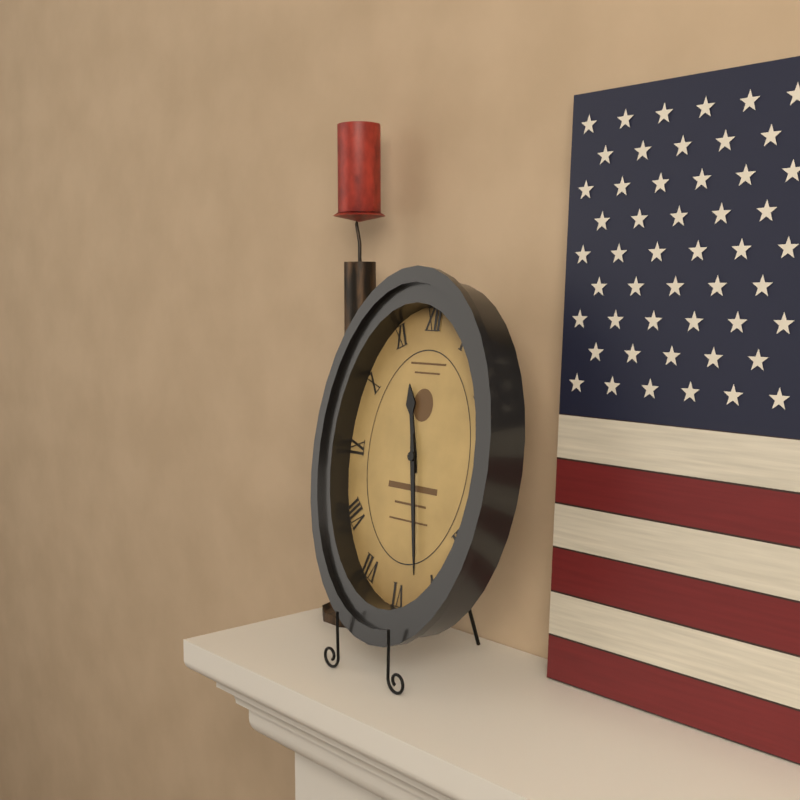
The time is h=11 m=28
